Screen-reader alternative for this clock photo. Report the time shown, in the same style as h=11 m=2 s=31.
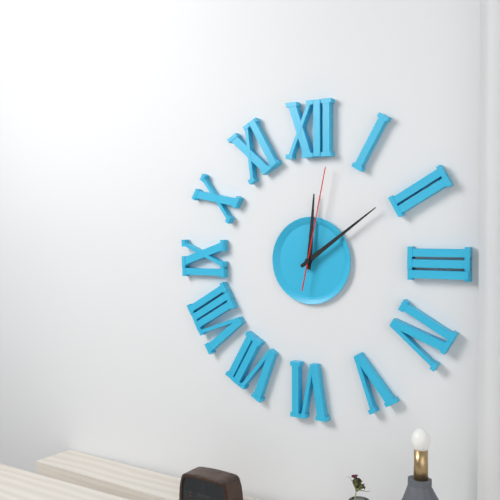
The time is h=12 m=9 s=2
